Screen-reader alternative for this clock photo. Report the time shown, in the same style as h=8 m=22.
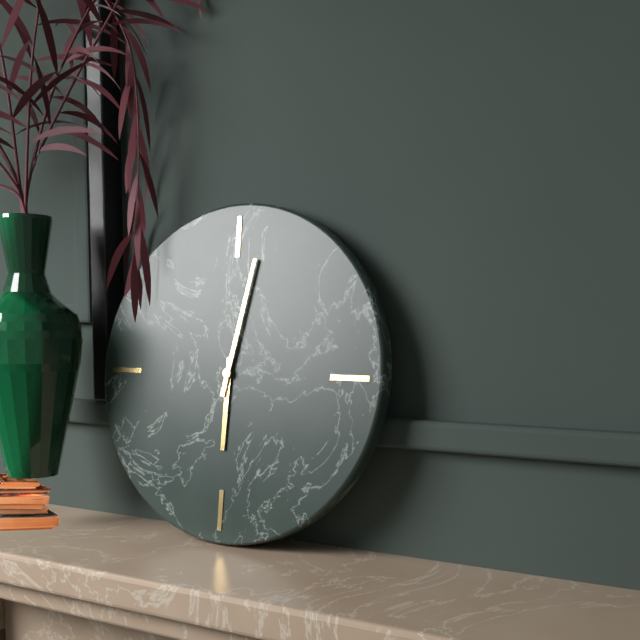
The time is h=6 m=2
